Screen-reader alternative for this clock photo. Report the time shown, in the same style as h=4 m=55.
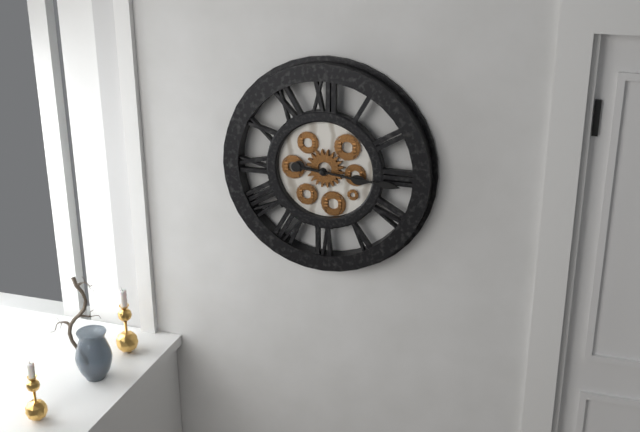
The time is h=3 m=16
